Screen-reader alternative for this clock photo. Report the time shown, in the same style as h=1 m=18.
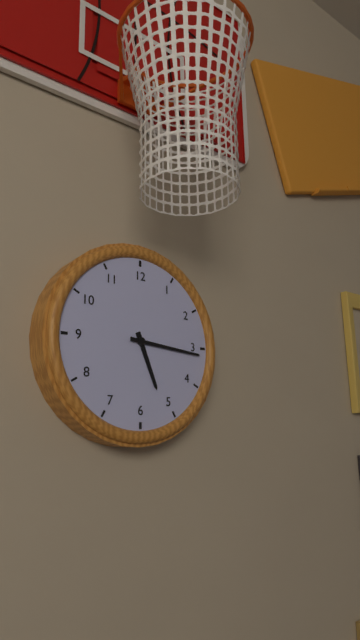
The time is h=5 m=16
